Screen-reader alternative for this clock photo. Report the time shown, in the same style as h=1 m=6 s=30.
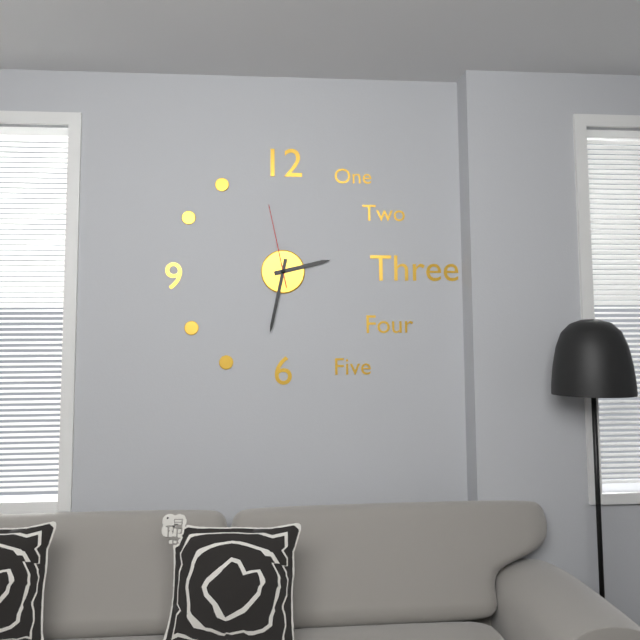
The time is h=2 m=32 s=58
